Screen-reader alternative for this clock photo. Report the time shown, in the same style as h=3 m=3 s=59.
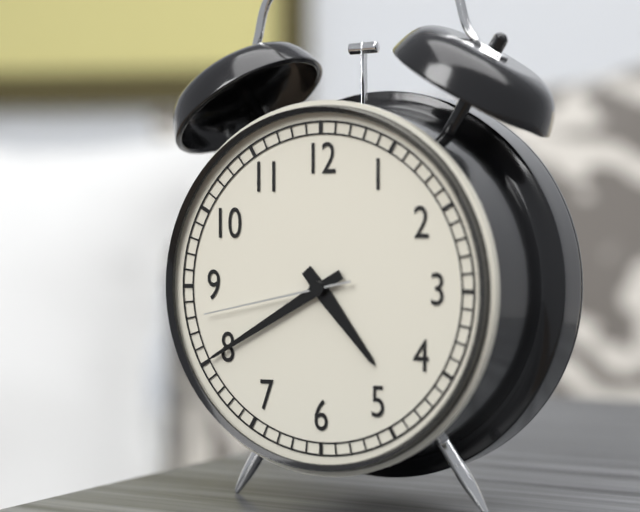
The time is h=4 m=40 s=43
